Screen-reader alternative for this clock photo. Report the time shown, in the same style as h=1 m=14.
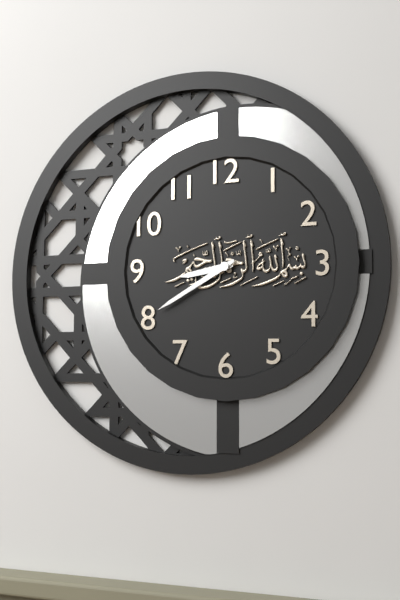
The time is h=8 m=40
